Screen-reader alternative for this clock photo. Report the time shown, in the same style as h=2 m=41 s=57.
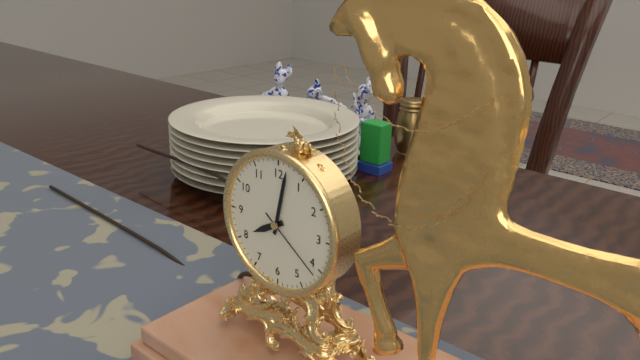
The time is h=8 m=2 s=21
